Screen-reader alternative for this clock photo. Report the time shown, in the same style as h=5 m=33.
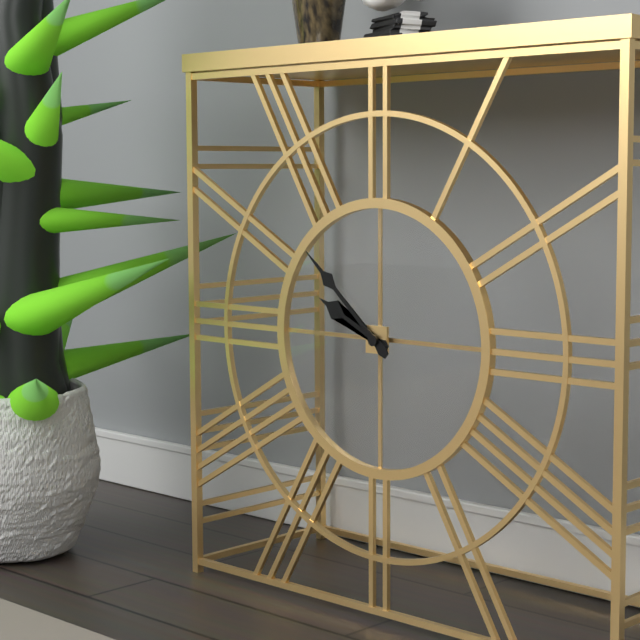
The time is h=9 m=52
